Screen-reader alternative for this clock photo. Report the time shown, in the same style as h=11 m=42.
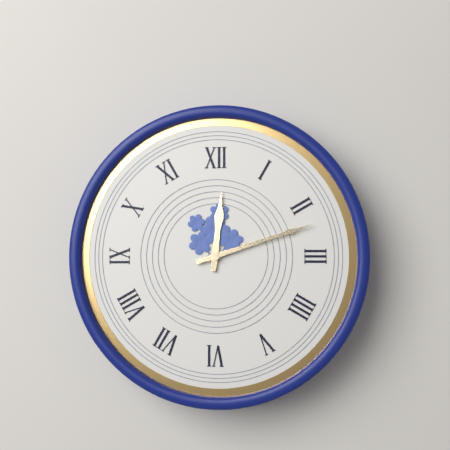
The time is h=12 m=12
